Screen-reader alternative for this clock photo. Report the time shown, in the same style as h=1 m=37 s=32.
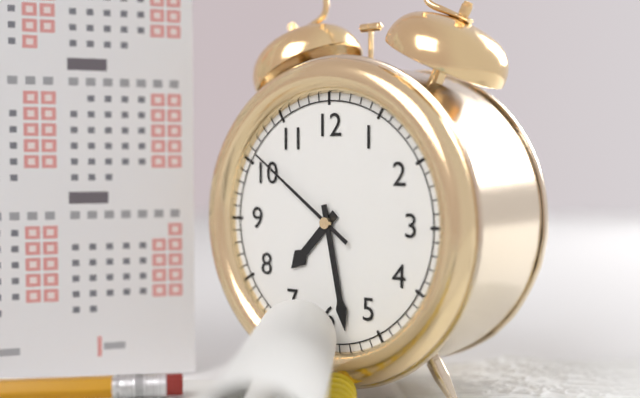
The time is h=7 m=28 s=51
